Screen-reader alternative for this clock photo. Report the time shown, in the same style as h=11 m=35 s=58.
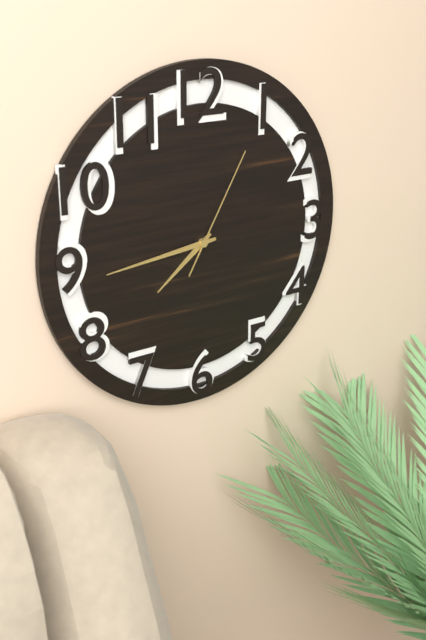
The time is h=7 m=44 s=5
